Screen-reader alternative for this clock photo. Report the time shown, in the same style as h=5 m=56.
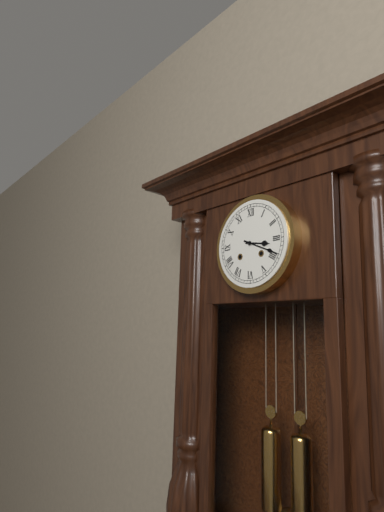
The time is h=3 m=19
